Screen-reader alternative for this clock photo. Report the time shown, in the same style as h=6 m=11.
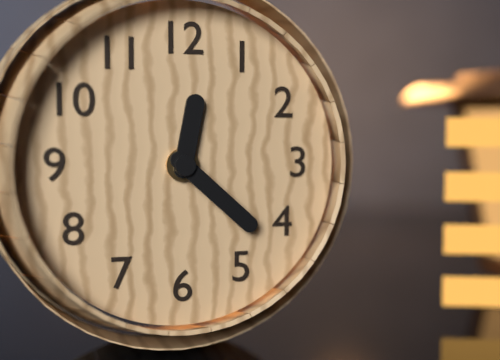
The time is h=12 m=22
